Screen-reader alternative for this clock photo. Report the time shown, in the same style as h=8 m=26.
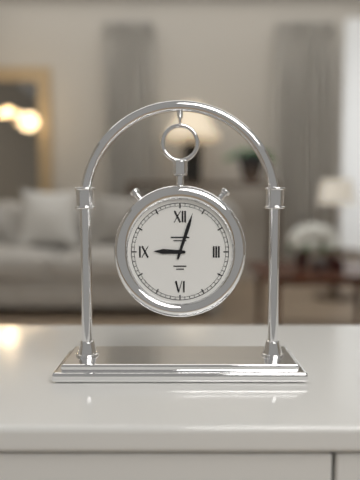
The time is h=9 m=3
